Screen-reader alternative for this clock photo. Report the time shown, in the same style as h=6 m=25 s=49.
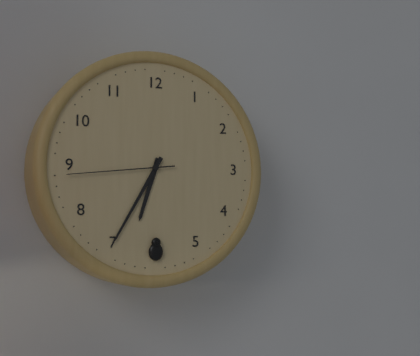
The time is h=6 m=35 s=44
